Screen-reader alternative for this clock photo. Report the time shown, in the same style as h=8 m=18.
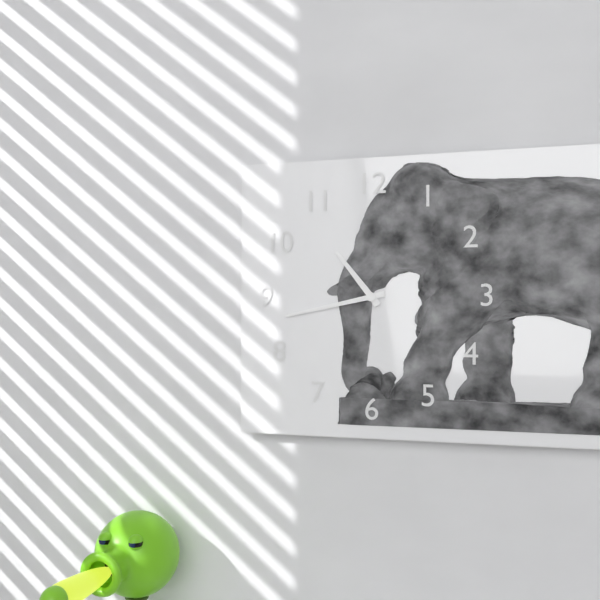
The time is h=10 m=43
